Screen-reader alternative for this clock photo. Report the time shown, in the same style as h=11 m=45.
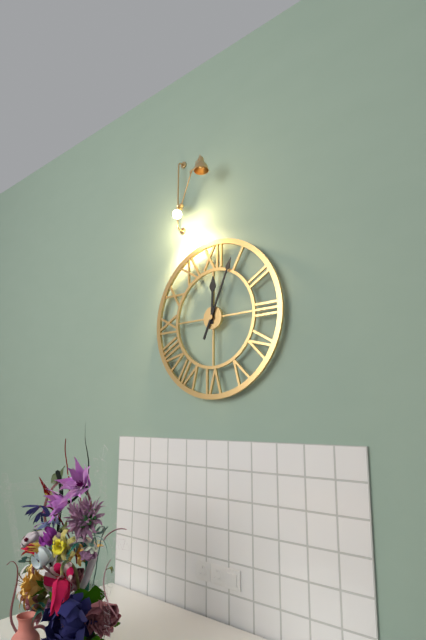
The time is h=12 m=4
